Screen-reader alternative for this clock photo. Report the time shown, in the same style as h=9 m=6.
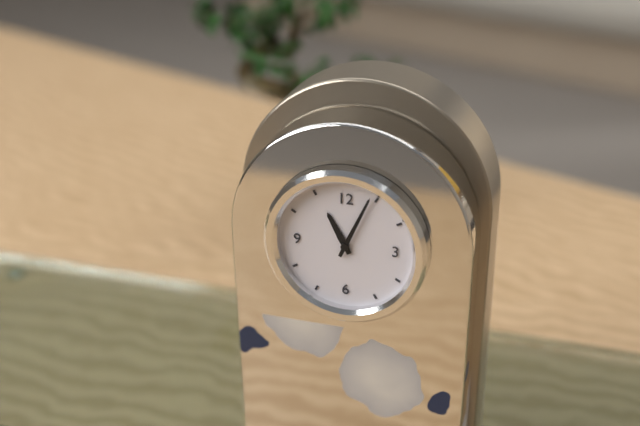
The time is h=11 m=4
